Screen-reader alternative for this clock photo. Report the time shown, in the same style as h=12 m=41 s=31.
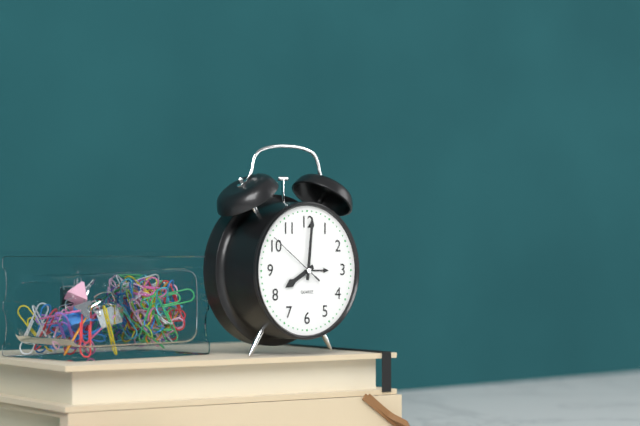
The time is h=8 m=1 s=51
